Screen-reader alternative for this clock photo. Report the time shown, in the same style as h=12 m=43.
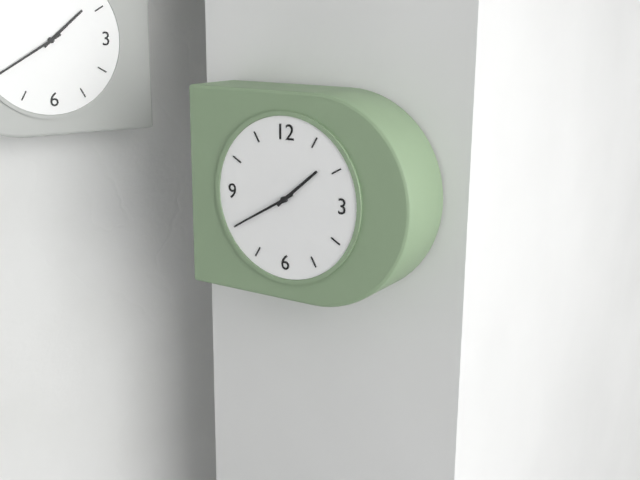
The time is h=1 m=40
